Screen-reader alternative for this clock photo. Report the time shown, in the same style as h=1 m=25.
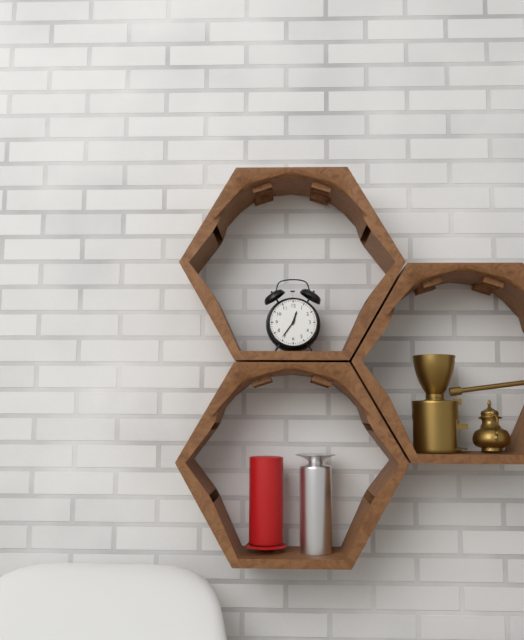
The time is h=12 m=36
